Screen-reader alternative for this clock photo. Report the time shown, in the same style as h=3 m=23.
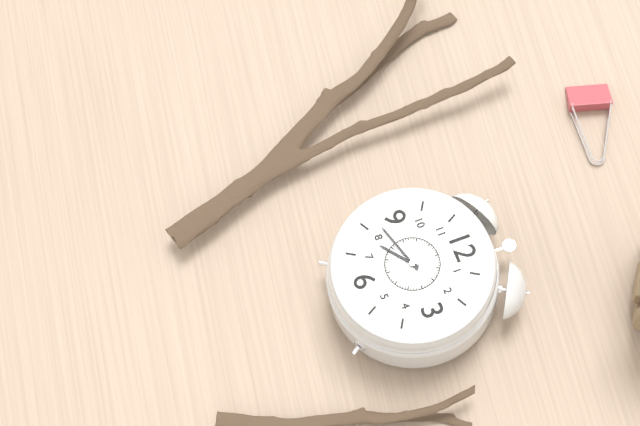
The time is h=7 m=42
